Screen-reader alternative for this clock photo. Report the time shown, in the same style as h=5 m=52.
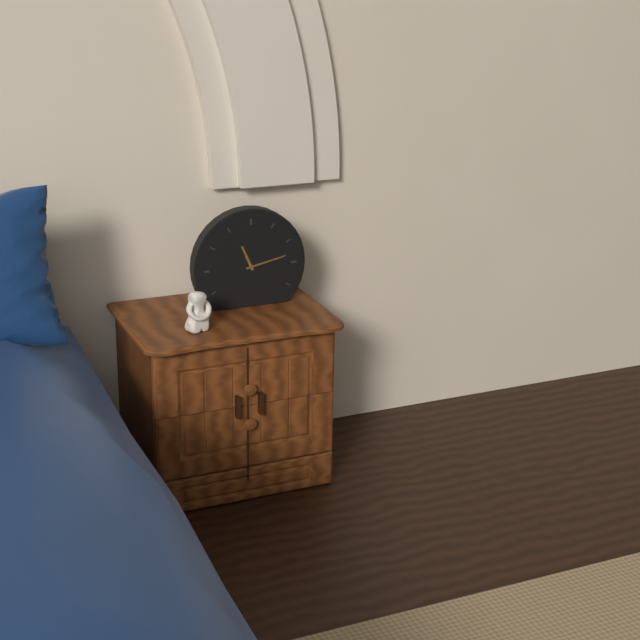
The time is h=11 m=13
